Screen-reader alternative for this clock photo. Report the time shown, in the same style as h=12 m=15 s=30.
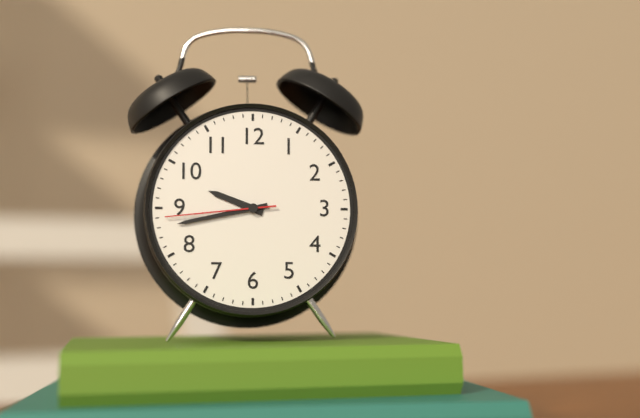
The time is h=9 m=43 s=44
